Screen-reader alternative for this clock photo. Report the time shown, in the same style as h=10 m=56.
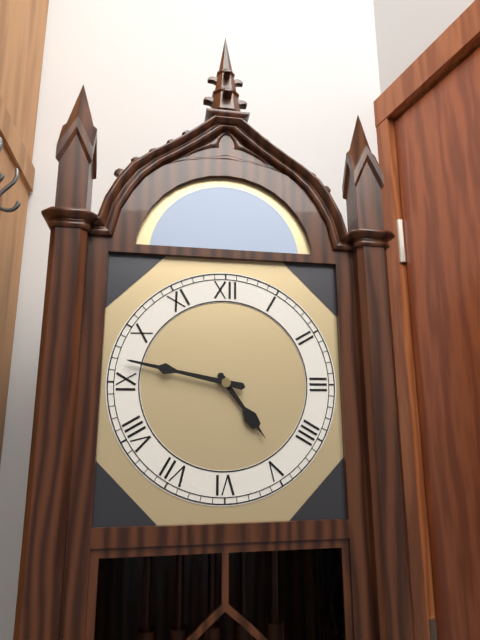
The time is h=4 m=47
